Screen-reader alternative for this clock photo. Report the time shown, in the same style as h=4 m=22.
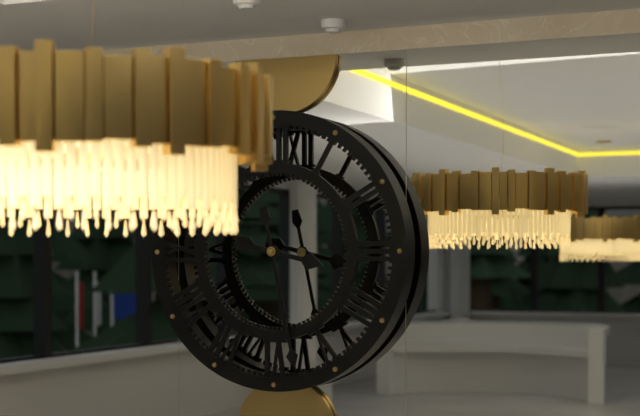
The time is h=3 m=28
